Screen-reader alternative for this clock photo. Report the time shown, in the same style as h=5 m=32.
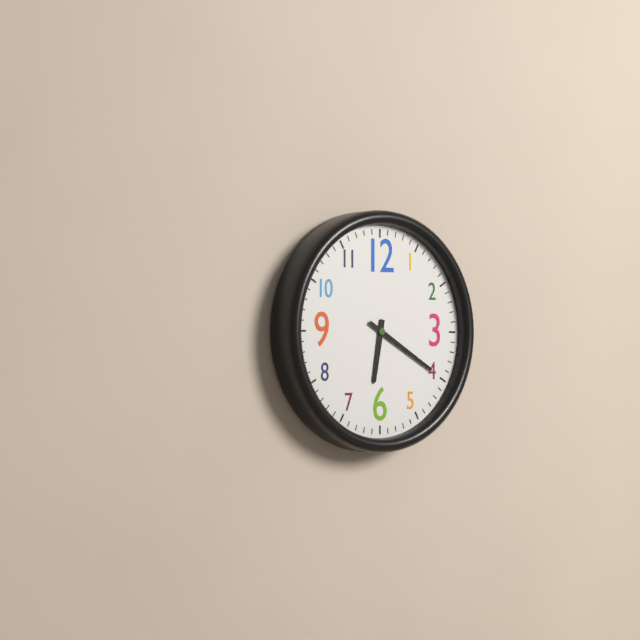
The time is h=6 m=20
